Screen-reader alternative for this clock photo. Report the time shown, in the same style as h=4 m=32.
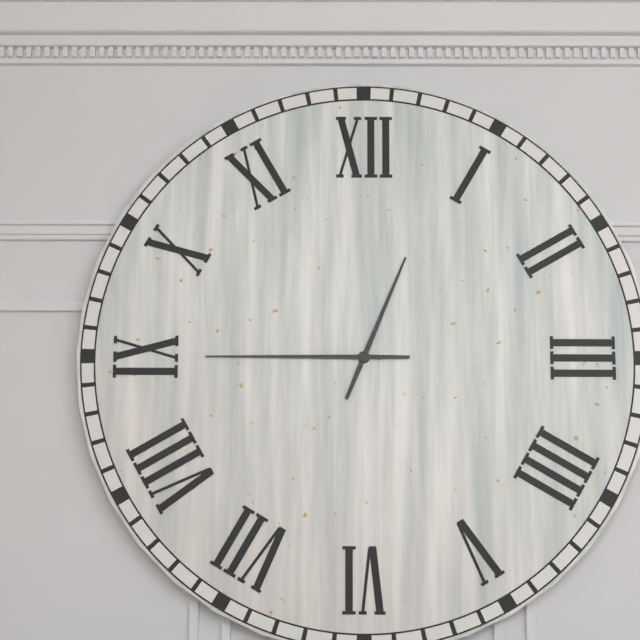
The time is h=12 m=45
